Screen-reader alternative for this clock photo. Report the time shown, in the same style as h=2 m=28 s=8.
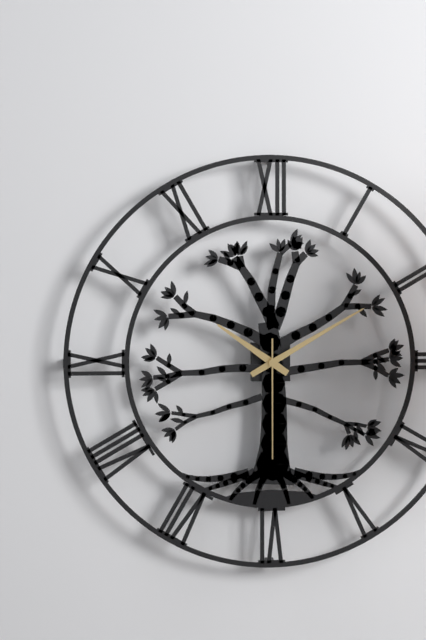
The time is h=10 m=10 s=30
